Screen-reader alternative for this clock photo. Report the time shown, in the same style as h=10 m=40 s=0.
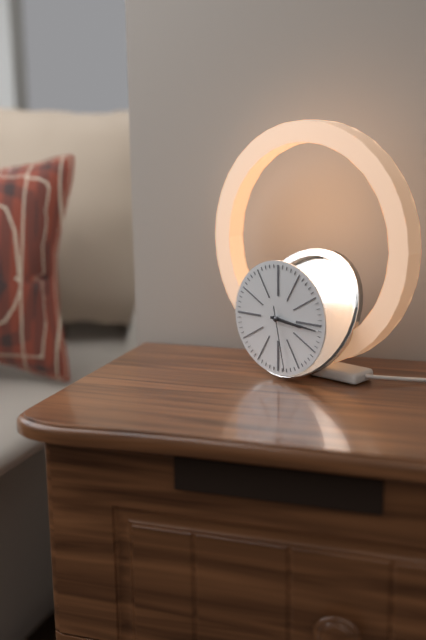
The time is h=3 m=16 s=28
